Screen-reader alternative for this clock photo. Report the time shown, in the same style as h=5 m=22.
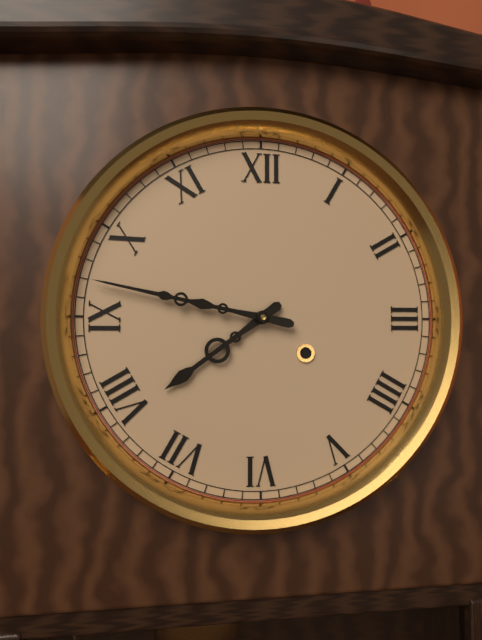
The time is h=7 m=47
